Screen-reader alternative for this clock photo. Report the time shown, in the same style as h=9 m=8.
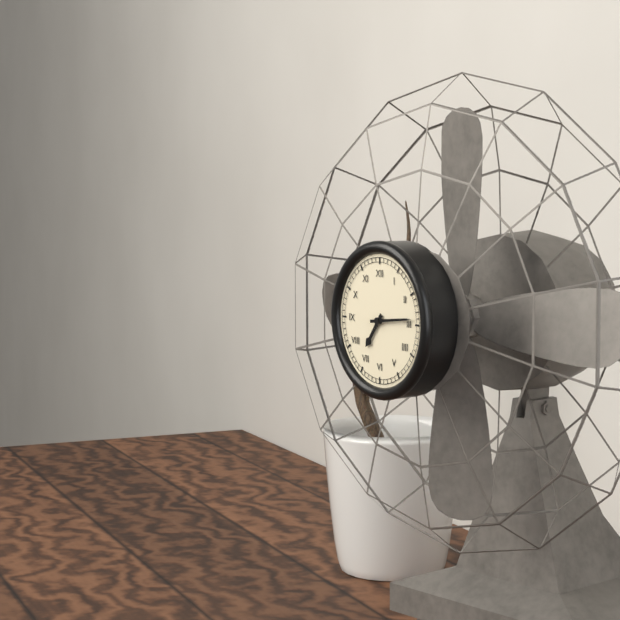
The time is h=7 m=14
